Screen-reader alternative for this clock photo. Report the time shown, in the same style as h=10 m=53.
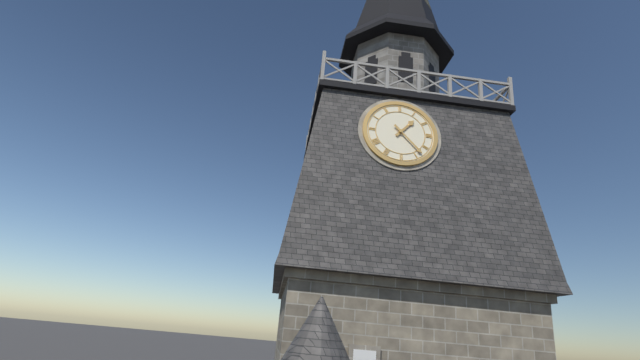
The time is h=1 m=23
